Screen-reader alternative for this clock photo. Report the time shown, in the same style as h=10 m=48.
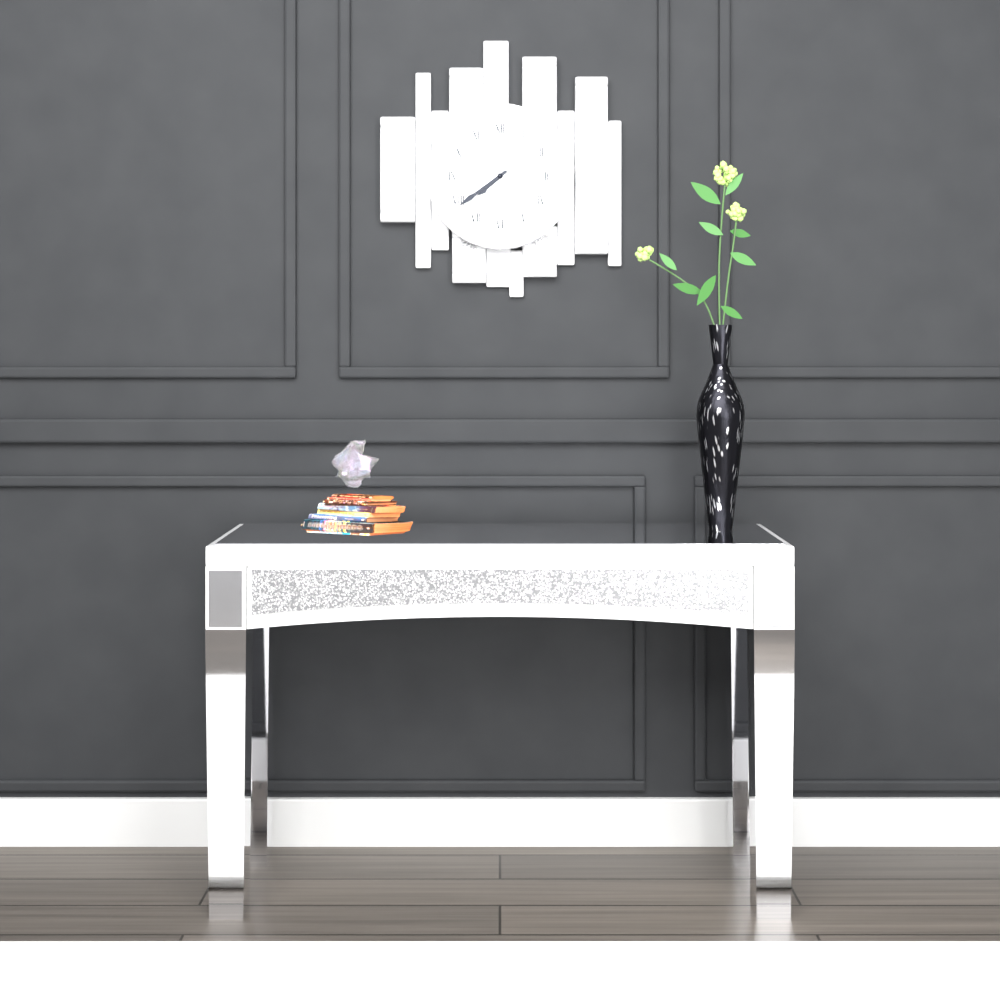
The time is h=7 m=39
